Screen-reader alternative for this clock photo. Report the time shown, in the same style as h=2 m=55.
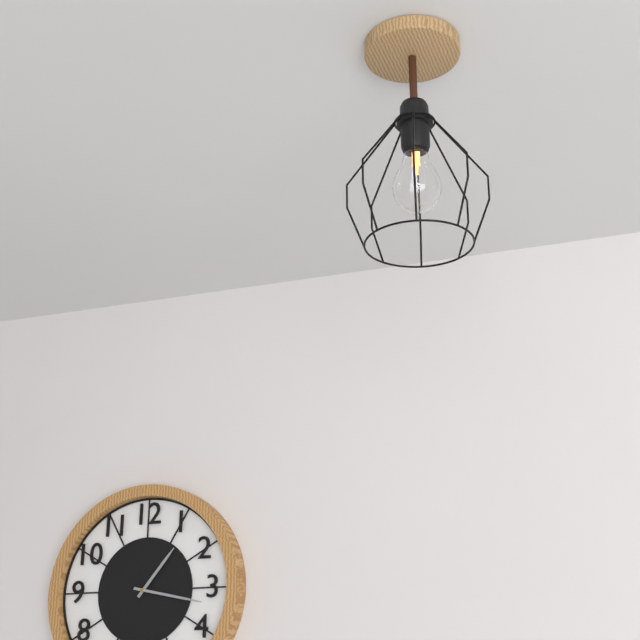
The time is h=1 m=17
